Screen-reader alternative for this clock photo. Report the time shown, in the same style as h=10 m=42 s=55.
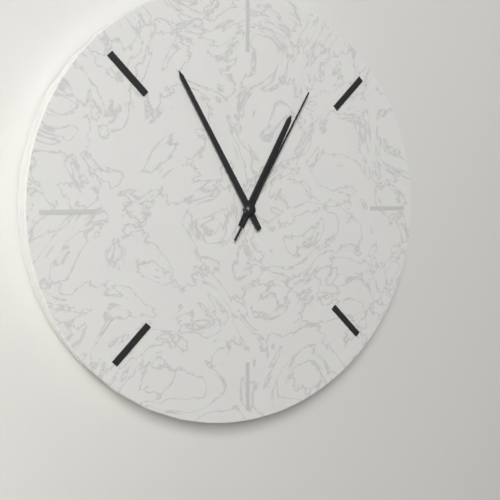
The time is h=12 m=55 s=5
